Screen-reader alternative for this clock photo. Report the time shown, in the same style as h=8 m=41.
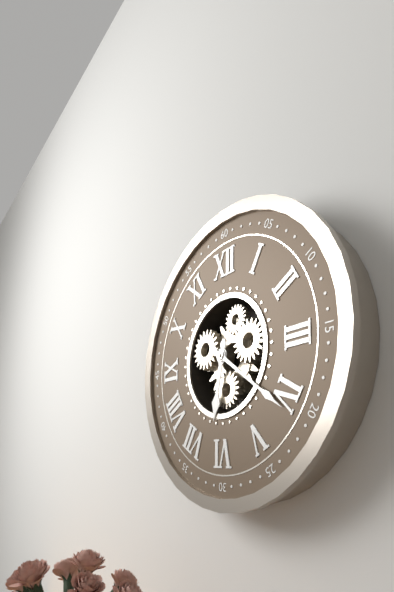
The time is h=6 m=21
